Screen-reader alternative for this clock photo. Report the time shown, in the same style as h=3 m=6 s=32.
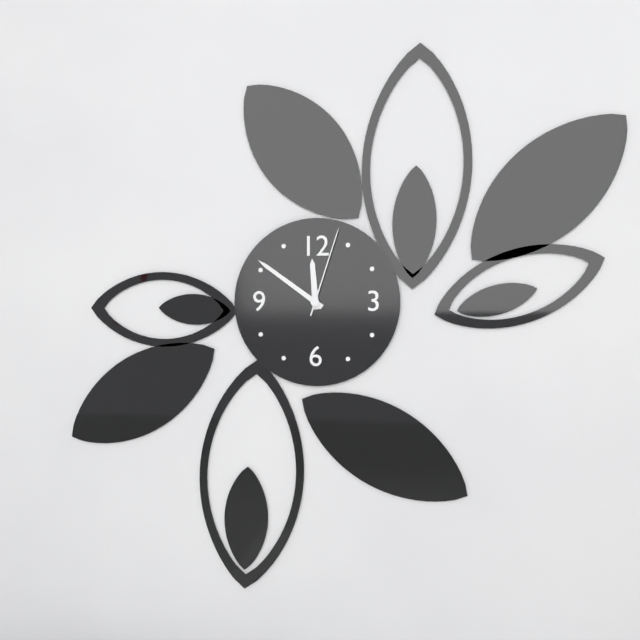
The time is h=11 m=51 s=3
